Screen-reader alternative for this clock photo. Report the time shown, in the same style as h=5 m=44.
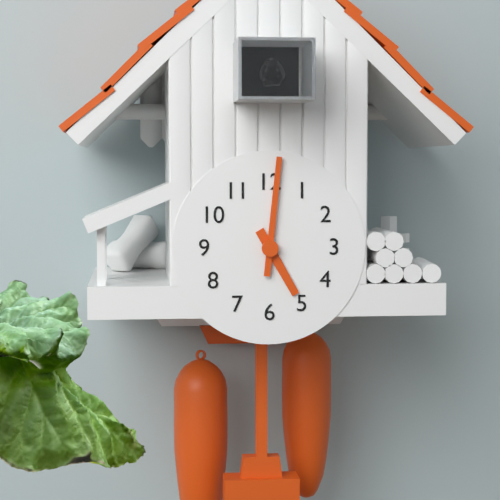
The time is h=5 m=1
